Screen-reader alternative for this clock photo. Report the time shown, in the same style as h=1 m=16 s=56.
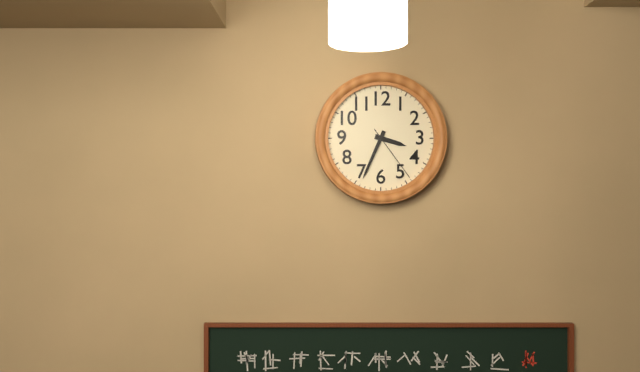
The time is h=3 m=34 s=24
